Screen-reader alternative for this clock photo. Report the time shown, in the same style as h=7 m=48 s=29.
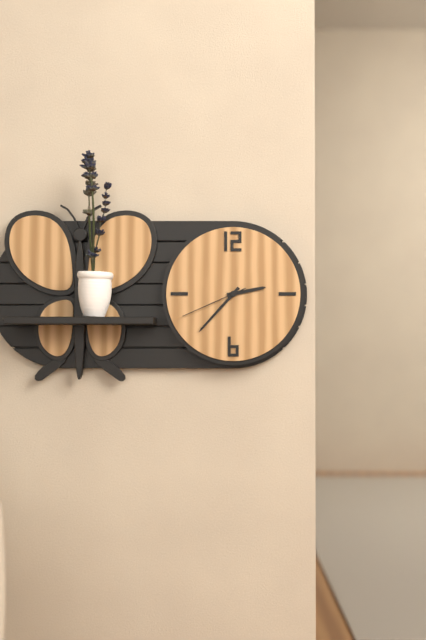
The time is h=2 m=37 s=41
